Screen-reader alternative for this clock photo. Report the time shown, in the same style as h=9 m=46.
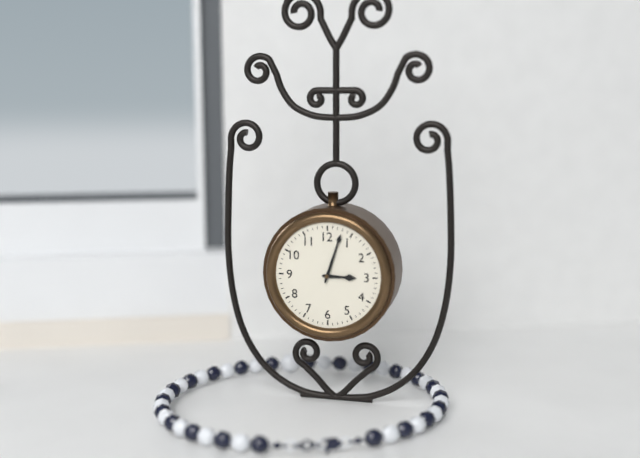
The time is h=3 m=3
